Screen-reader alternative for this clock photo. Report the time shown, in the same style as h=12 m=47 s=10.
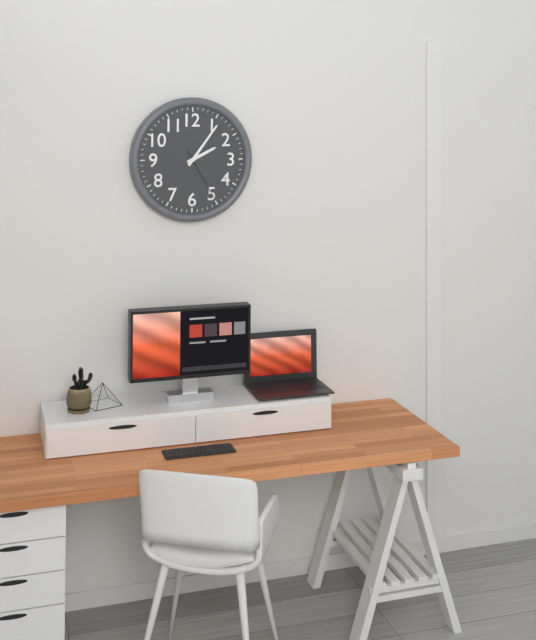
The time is h=2 m=6 s=25
